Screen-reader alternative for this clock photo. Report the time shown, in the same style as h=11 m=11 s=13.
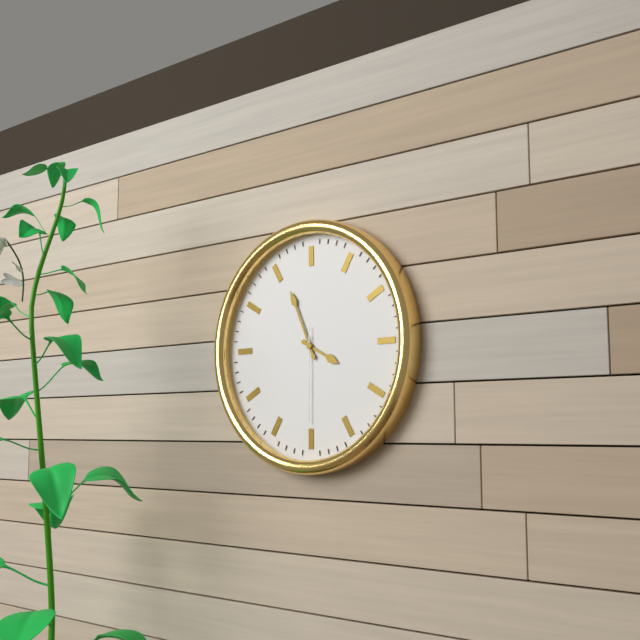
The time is h=3 m=56 s=30
